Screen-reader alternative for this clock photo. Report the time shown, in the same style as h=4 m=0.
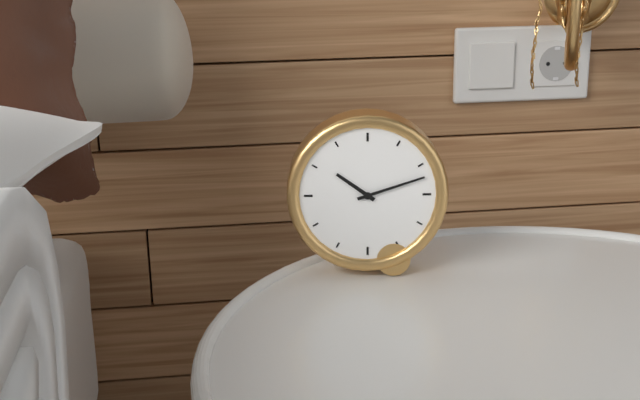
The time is h=10 m=12
